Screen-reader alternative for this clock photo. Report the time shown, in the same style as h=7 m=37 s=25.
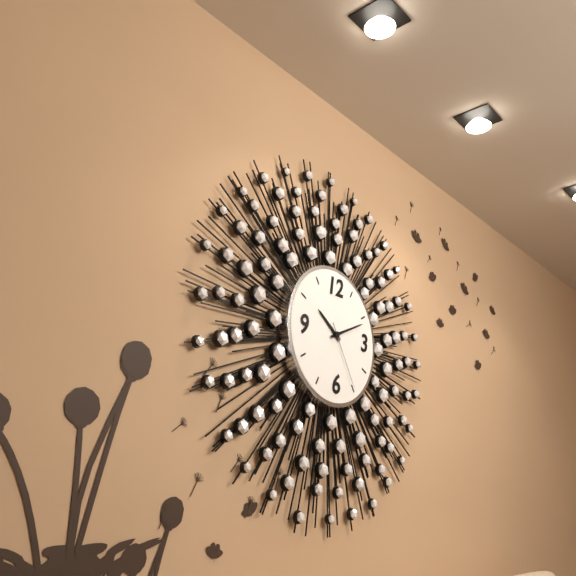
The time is h=10 m=11 s=25
